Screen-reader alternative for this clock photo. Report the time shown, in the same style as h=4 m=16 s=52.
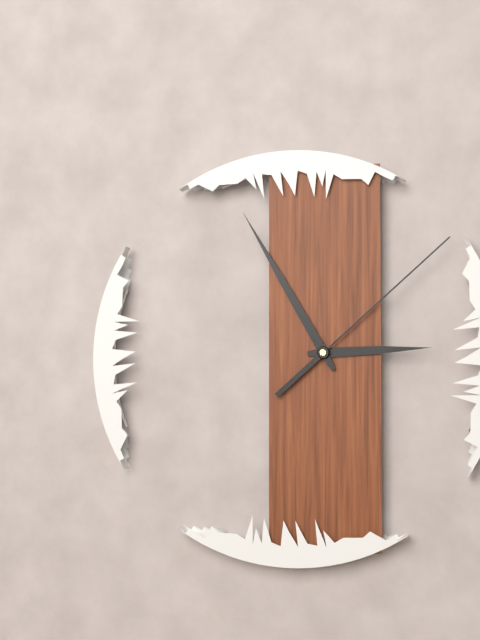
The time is h=2 m=55 s=8
